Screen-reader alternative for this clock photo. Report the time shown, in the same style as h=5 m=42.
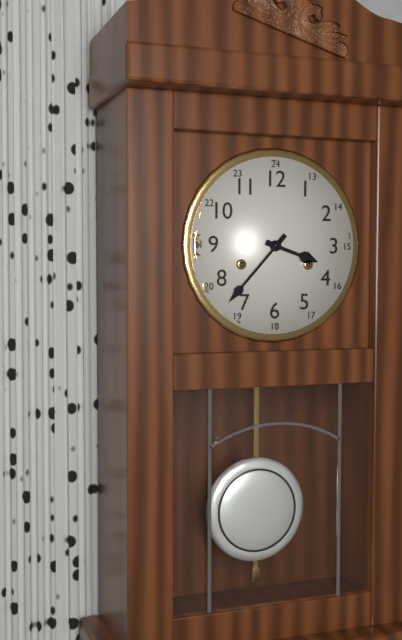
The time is h=3 m=37
